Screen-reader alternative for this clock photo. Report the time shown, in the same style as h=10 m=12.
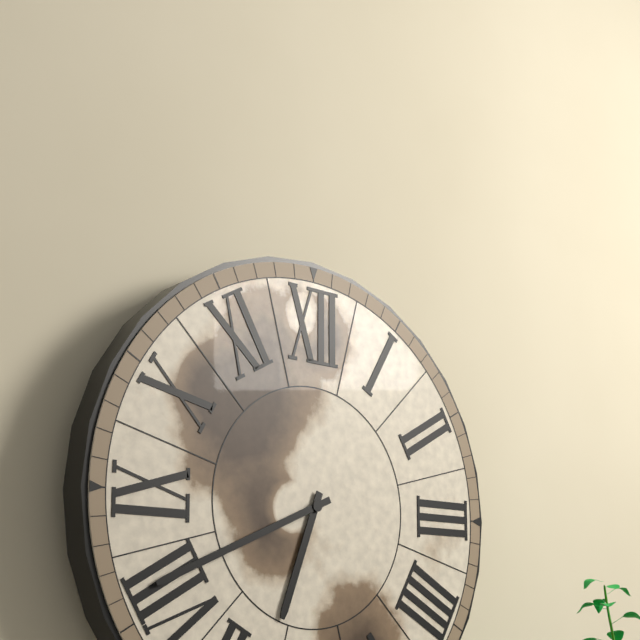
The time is h=6 m=41
